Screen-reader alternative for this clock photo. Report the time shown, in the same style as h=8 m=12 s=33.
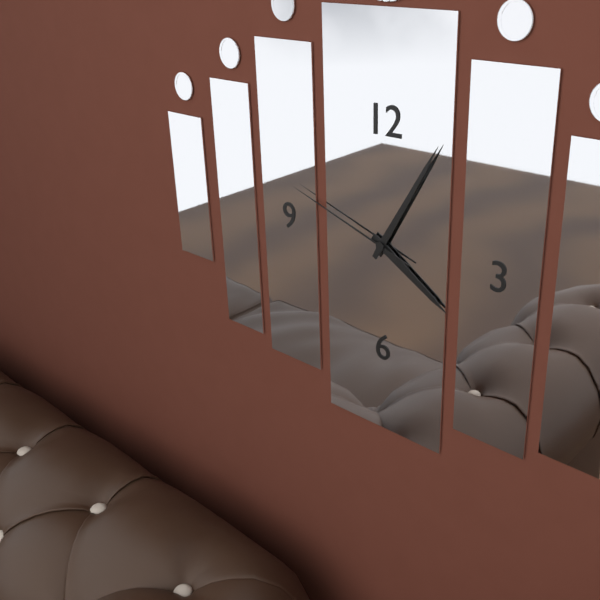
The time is h=4 m=5 s=48
